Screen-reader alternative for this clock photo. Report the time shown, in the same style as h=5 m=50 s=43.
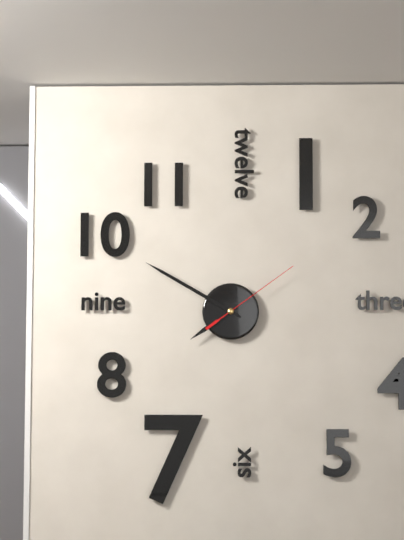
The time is h=7 m=50 s=9
